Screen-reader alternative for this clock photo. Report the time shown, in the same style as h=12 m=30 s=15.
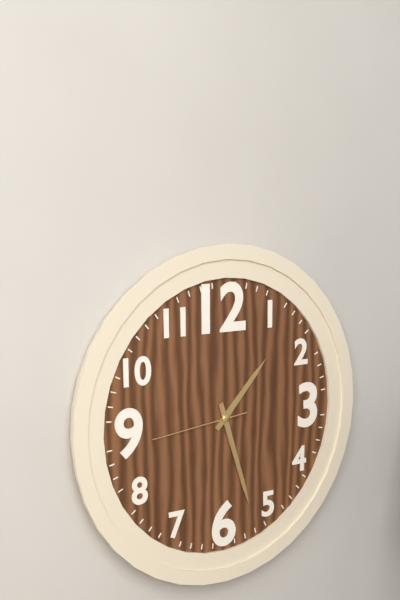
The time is h=1 m=27 s=44
